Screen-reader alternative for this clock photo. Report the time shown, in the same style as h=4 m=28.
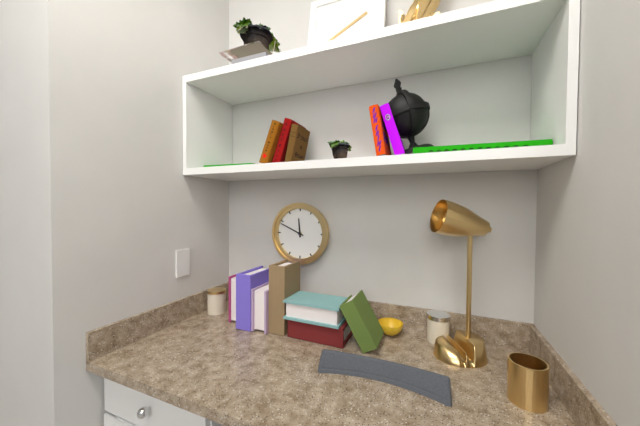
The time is h=11 m=49
